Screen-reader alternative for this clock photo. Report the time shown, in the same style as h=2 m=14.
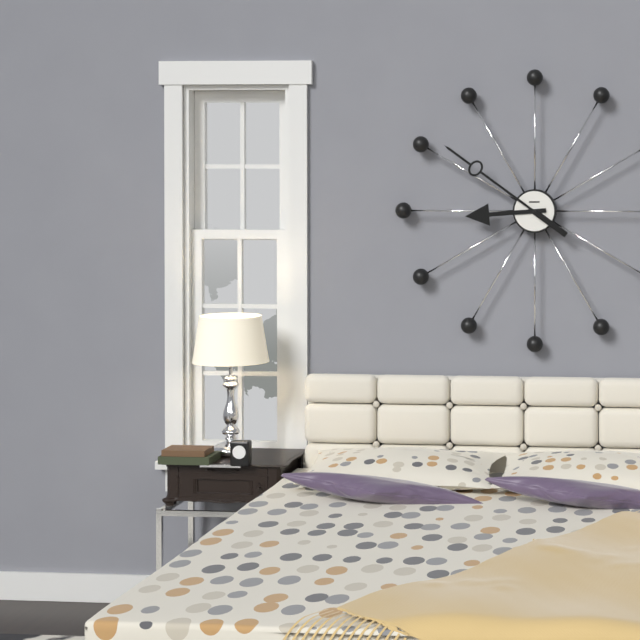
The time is h=8 m=51
